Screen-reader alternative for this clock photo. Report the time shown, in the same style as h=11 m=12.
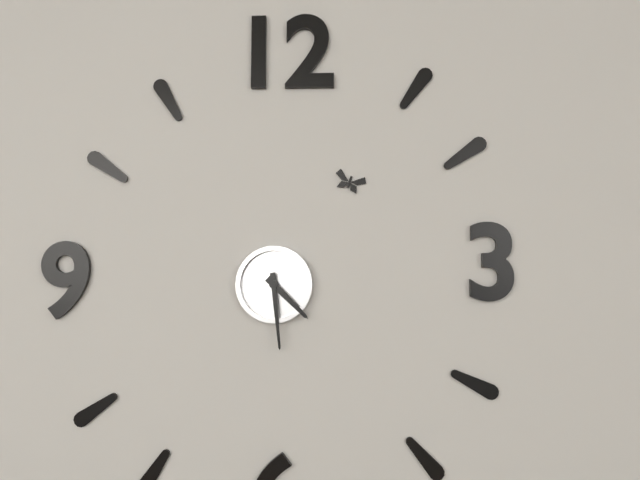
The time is h=4 m=29
